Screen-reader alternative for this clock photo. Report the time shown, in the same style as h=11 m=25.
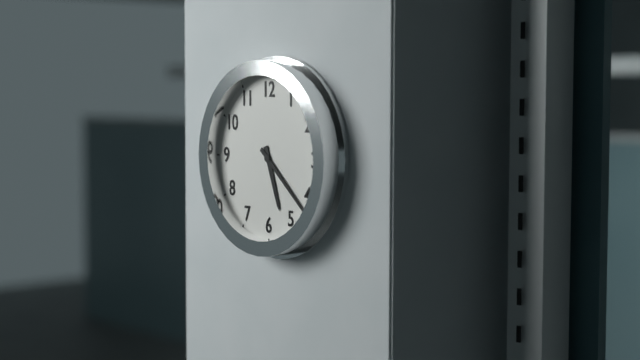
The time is h=5 m=22
